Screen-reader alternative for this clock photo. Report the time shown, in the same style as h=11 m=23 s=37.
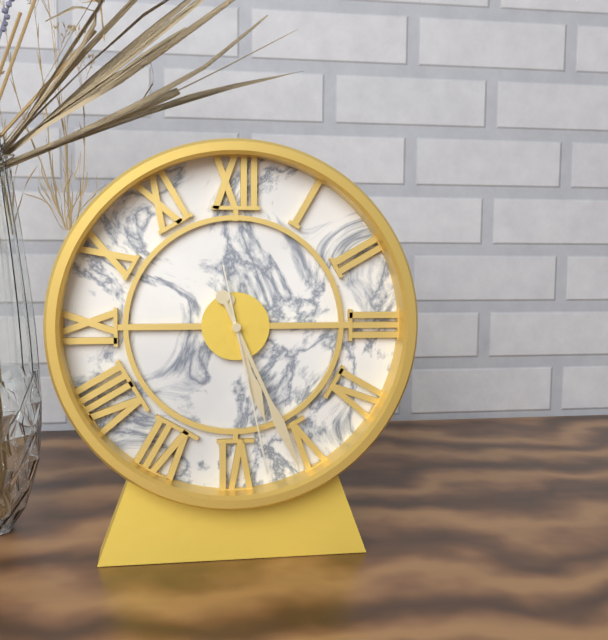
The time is h=5 m=26 s=28
